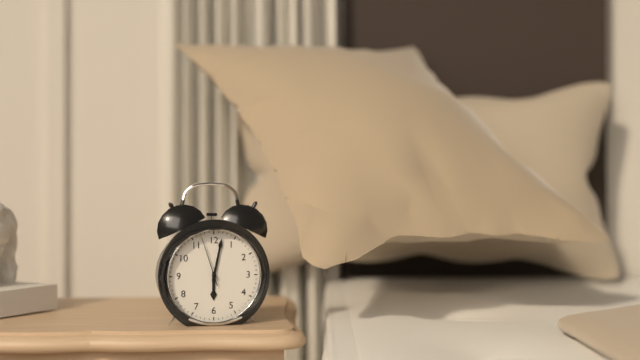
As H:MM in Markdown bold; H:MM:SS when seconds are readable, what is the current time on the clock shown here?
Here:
**6:02:57**
